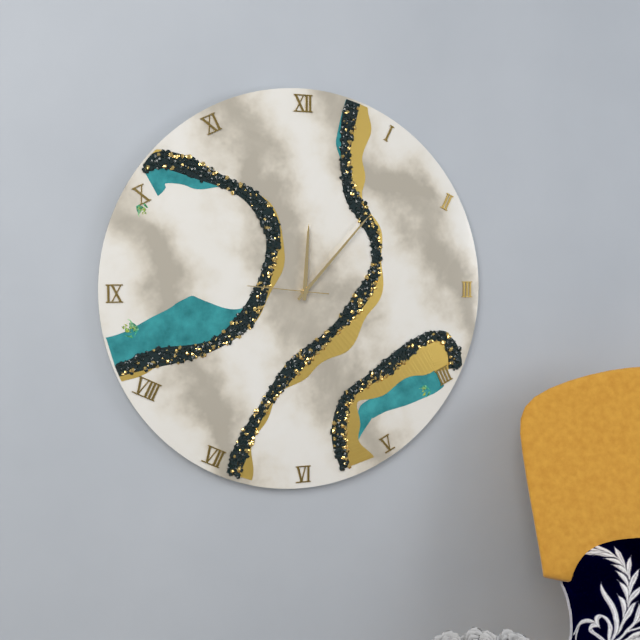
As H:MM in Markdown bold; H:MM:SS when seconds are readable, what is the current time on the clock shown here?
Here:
**12:07:46**
